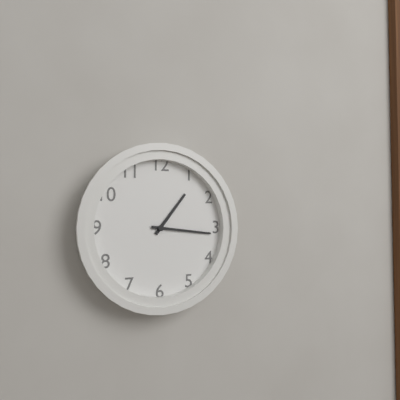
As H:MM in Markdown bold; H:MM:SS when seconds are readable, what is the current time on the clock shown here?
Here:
**1:16**
